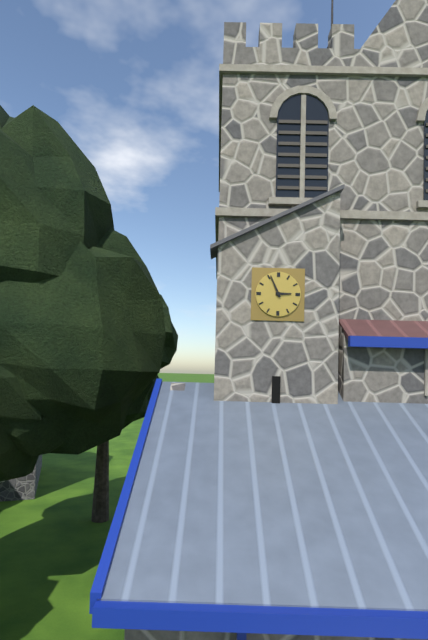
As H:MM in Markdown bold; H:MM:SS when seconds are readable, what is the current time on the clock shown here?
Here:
**2:56**
